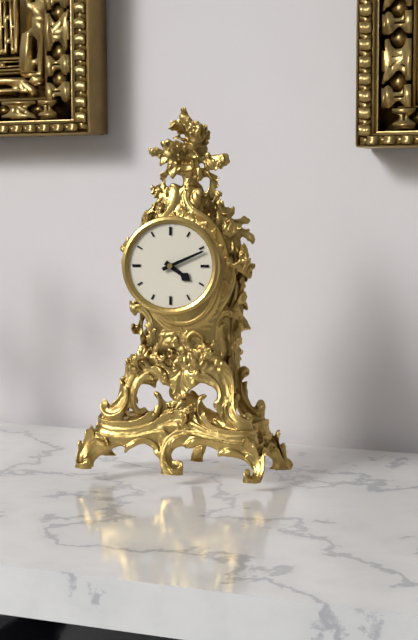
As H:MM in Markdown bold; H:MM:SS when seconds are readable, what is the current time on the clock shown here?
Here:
**4:11**
